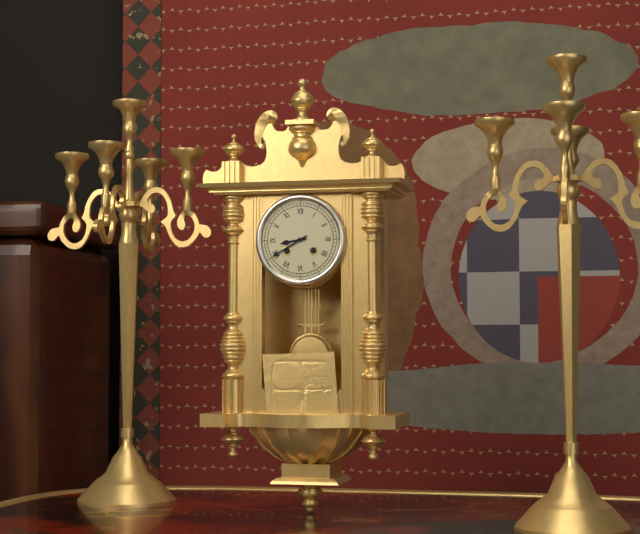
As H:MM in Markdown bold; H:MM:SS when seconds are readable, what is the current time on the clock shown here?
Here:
**8:40**
